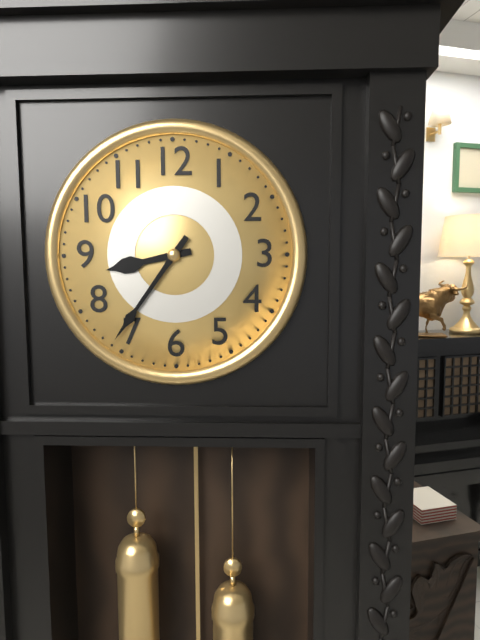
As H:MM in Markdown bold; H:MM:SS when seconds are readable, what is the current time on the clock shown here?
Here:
**8:36**
